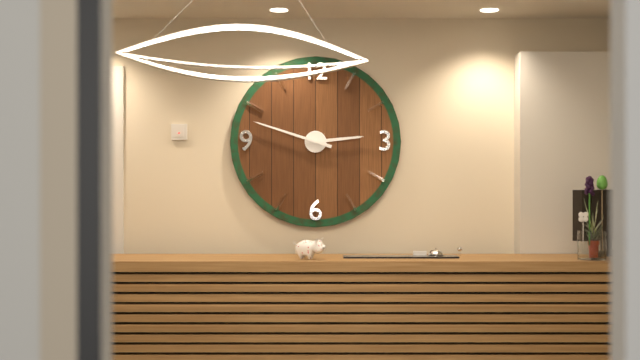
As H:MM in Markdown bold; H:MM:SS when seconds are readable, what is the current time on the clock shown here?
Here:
**2:48**
